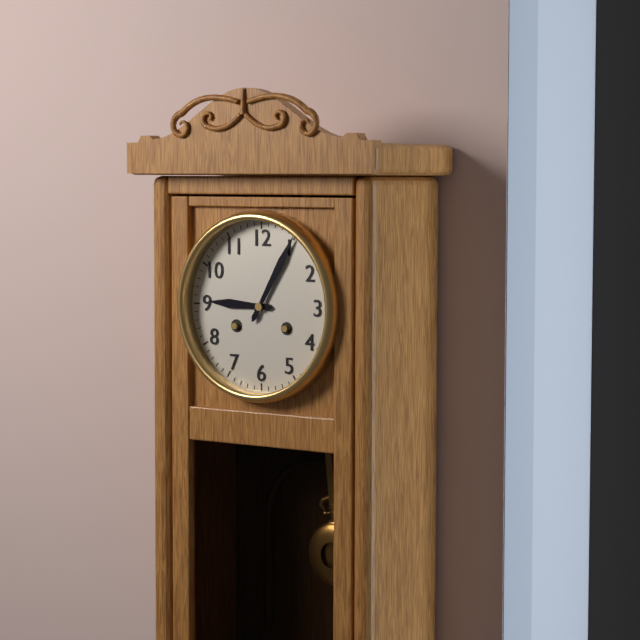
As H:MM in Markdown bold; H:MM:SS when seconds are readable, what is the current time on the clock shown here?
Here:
**9:05**
